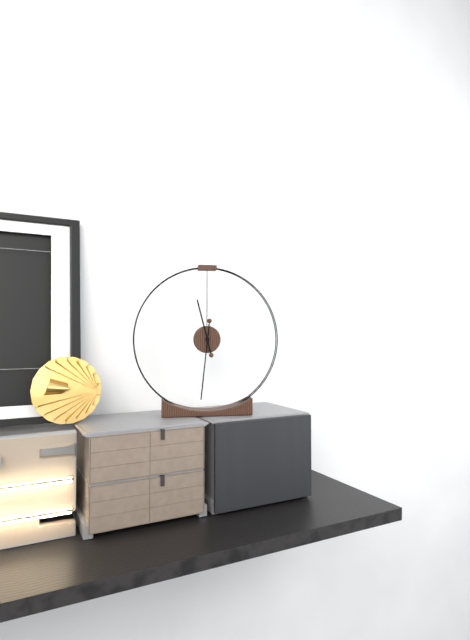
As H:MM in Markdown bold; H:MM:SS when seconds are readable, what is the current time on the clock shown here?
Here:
**11:31**
